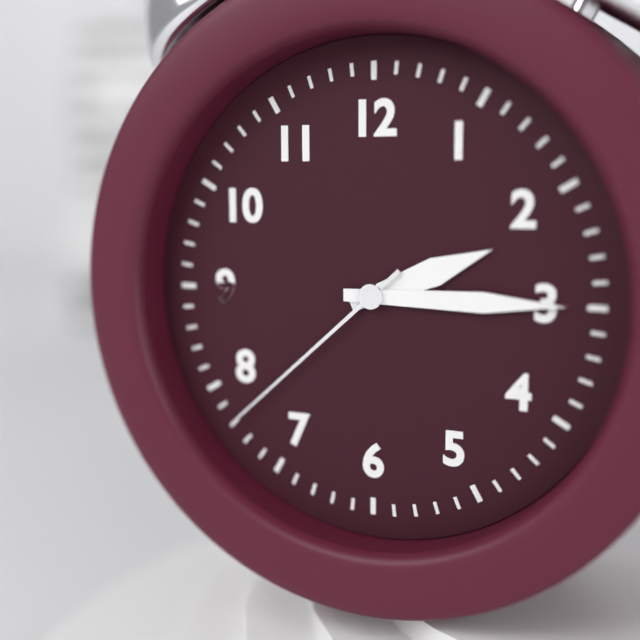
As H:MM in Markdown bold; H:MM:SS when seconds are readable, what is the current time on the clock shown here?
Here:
**2:15:38**
